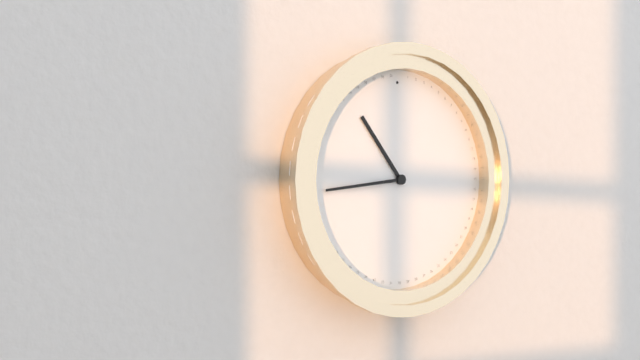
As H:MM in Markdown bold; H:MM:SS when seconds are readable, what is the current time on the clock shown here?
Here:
**10:44**
